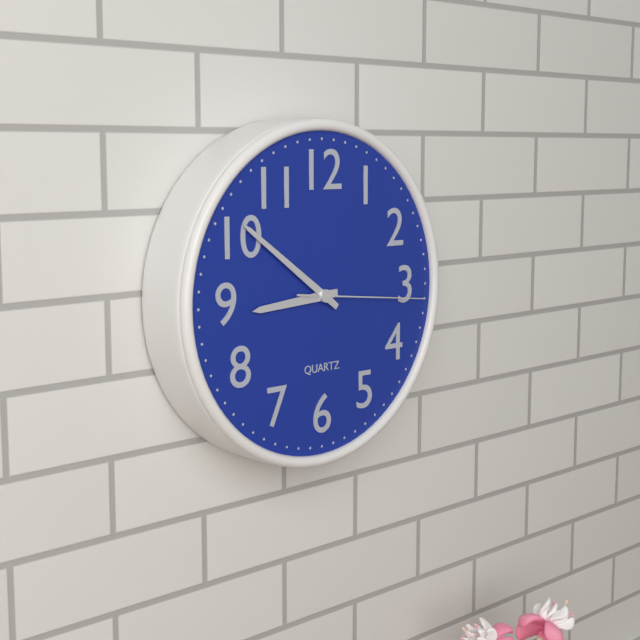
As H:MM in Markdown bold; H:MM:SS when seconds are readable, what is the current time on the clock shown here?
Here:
**8:51:16**
